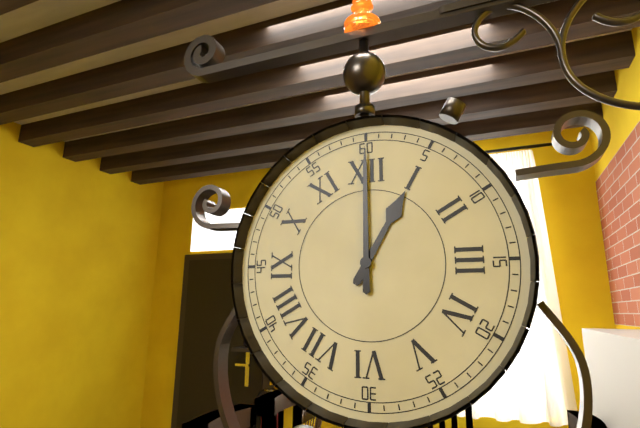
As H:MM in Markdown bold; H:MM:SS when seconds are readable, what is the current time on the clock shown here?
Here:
**1:00**
